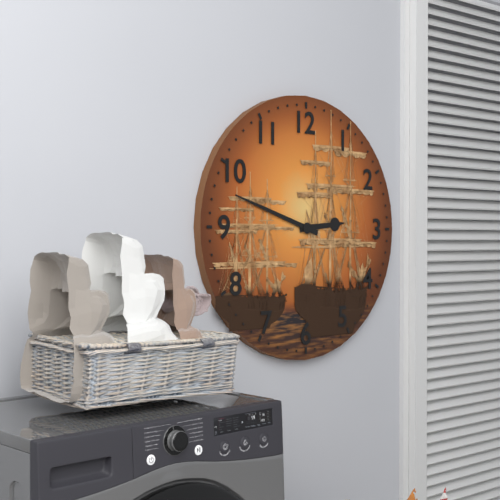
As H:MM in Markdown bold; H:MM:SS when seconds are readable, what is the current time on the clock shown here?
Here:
**2:48**
